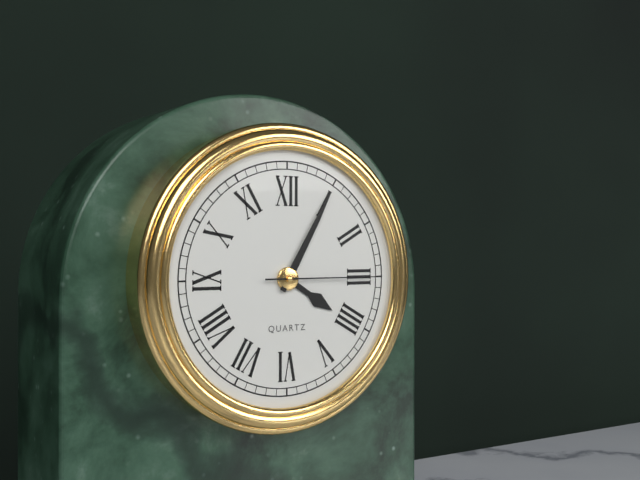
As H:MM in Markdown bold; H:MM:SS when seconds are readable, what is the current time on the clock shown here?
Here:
**4:05:15**
